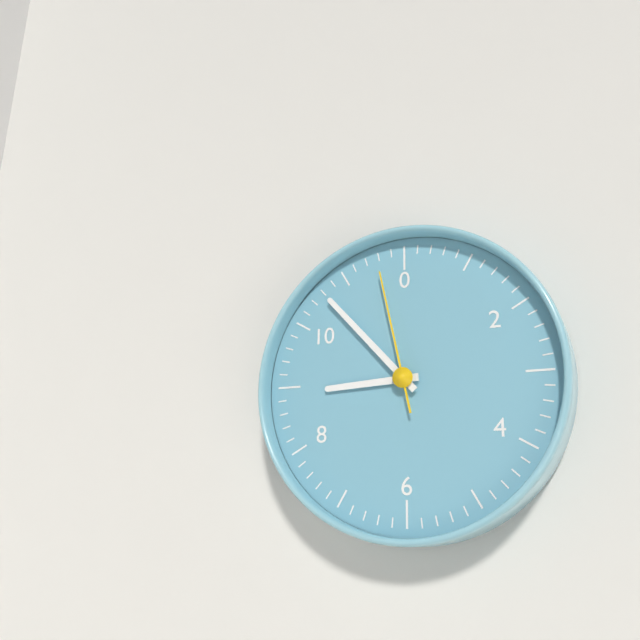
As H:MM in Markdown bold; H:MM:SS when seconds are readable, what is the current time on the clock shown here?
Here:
**8:53:58**
